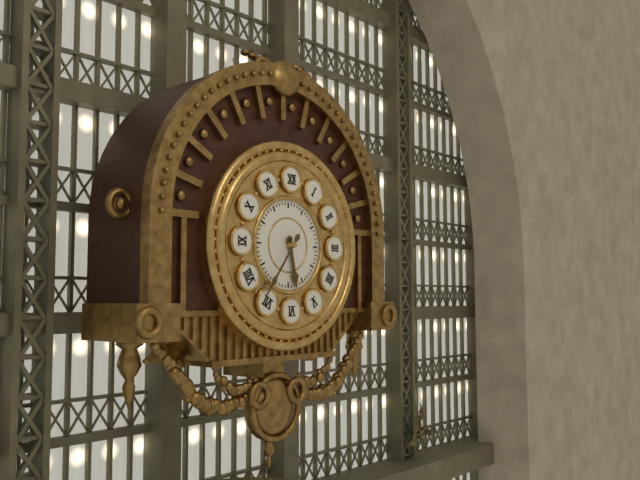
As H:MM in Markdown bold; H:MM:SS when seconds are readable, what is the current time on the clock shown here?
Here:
**5:36**
